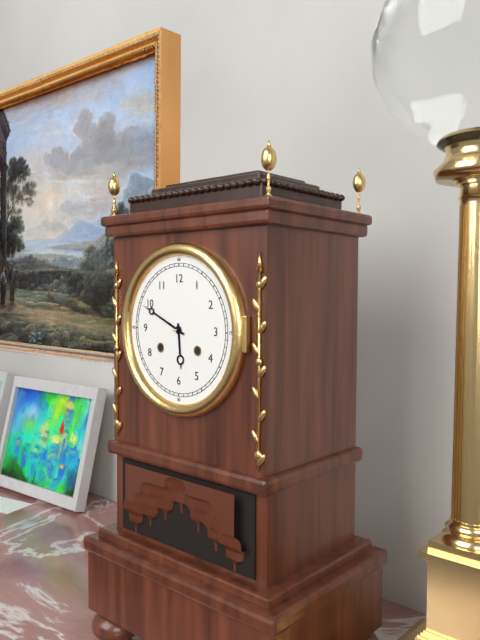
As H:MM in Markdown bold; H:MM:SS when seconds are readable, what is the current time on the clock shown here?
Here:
**5:49**
